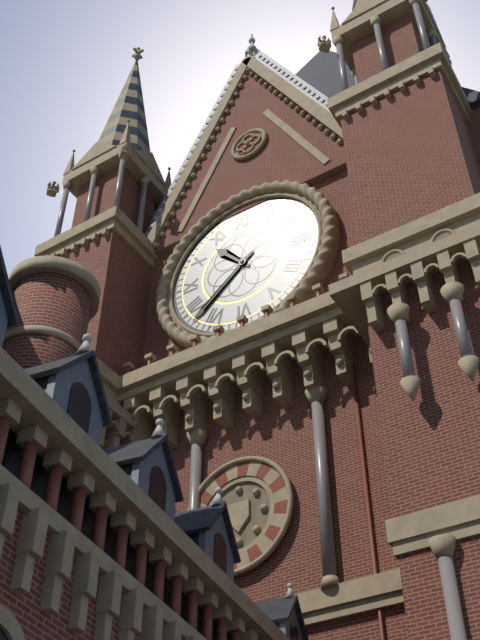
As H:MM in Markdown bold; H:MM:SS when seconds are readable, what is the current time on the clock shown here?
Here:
**10:38**
